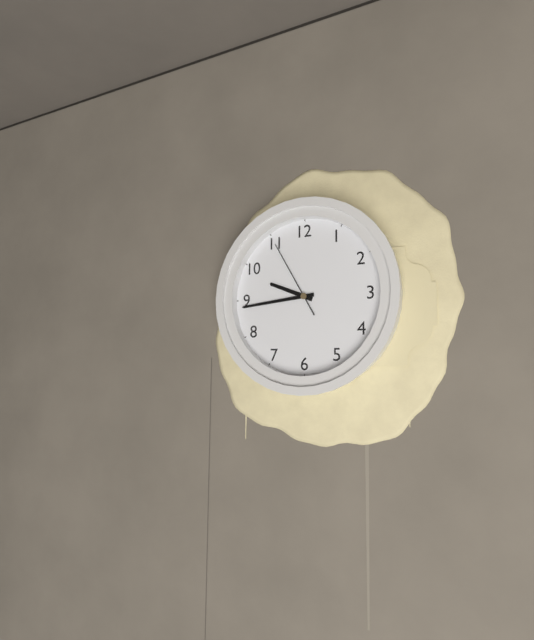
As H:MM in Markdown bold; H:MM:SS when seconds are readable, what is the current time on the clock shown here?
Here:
**9:44:55**
